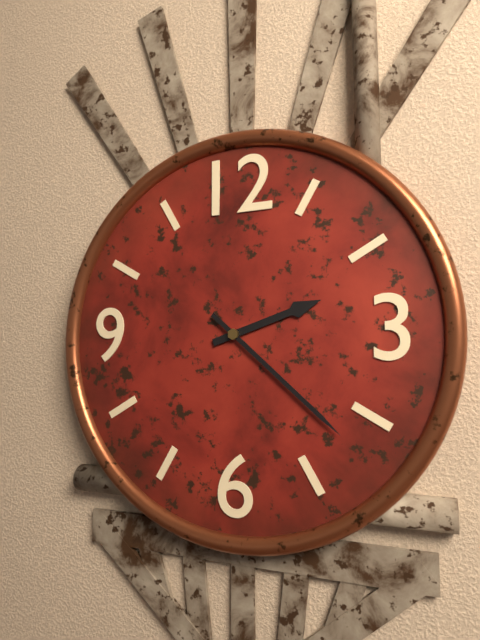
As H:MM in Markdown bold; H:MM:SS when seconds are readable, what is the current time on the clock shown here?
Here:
**2:22**
